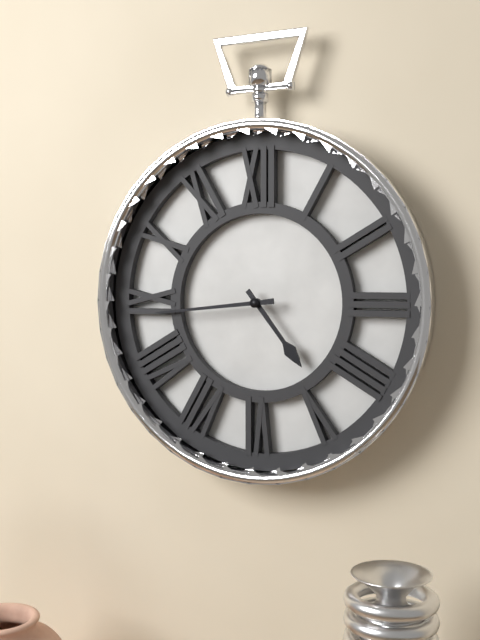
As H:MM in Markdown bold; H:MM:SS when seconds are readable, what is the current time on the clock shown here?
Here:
**4:44**
